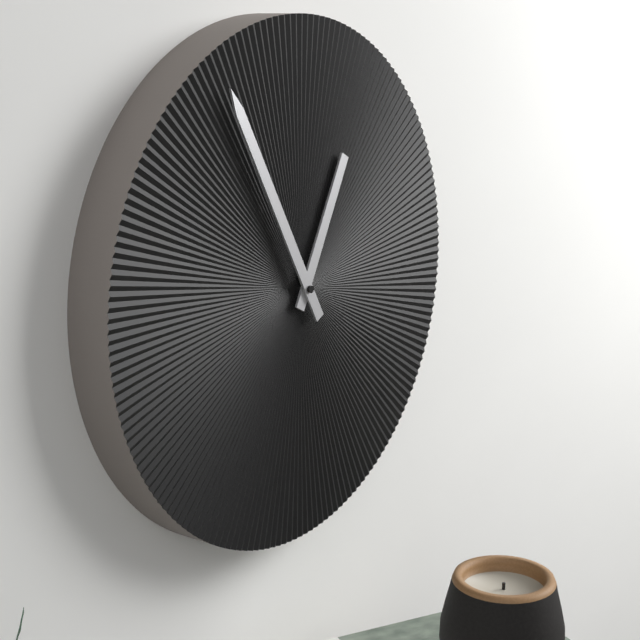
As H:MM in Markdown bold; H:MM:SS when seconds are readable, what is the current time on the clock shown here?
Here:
**12:55**
